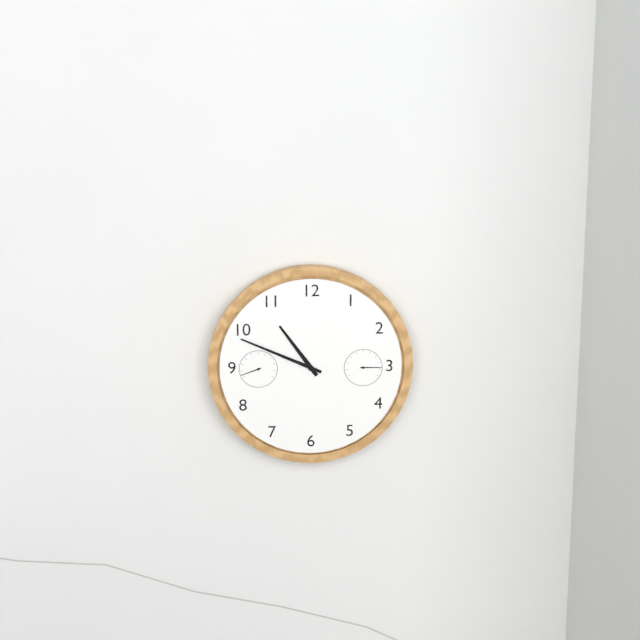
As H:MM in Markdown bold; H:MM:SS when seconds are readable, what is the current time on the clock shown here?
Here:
**10:49**
